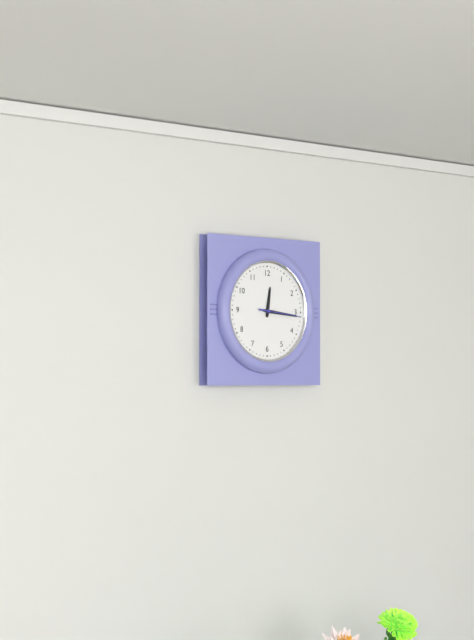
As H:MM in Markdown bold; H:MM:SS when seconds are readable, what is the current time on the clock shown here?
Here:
**12:16:16**
